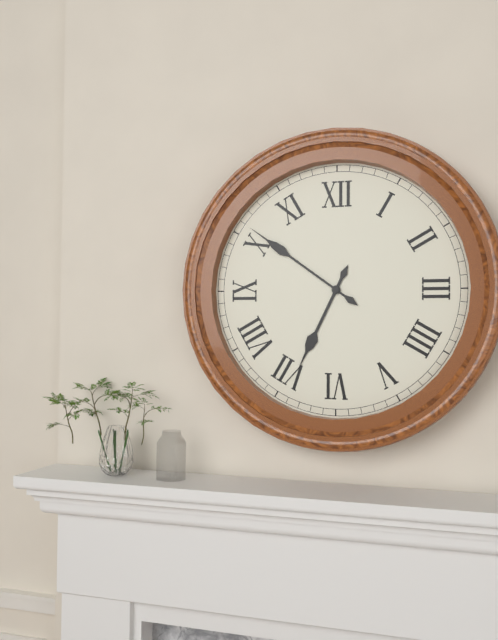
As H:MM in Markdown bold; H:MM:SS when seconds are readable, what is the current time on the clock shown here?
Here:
**6:51**
